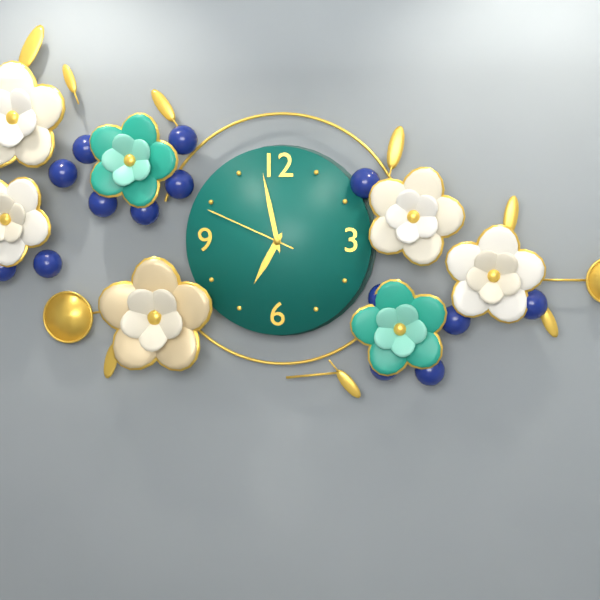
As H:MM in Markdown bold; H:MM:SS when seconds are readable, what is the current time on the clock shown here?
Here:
**6:58:49**
